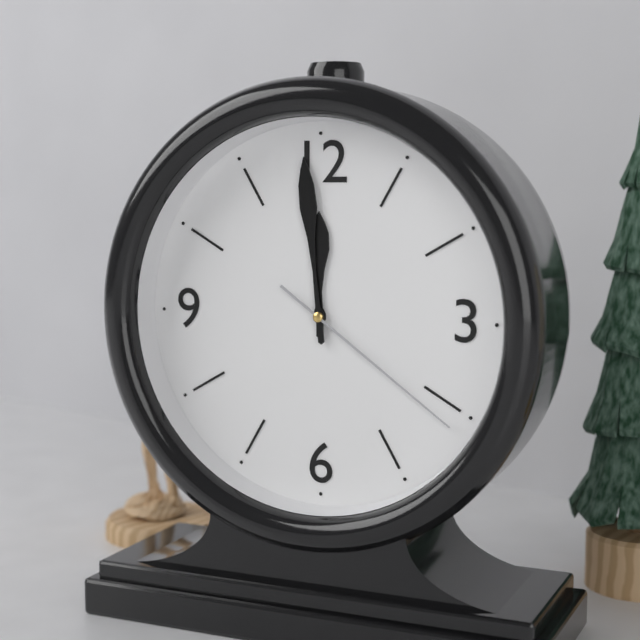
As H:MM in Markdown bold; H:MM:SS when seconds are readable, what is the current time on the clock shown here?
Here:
**11:59:21**
